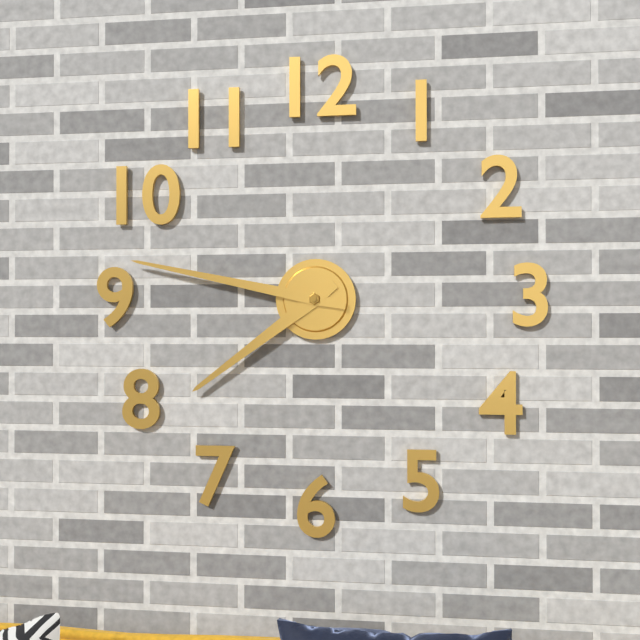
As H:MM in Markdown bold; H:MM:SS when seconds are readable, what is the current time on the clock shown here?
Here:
**7:47**
